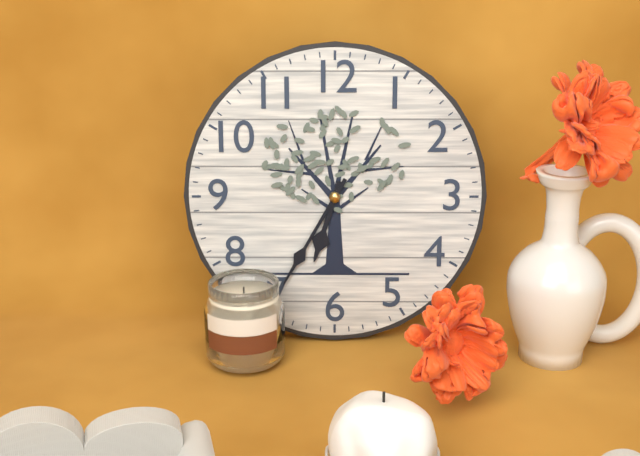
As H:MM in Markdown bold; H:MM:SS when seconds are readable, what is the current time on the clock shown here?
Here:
**6:35**
